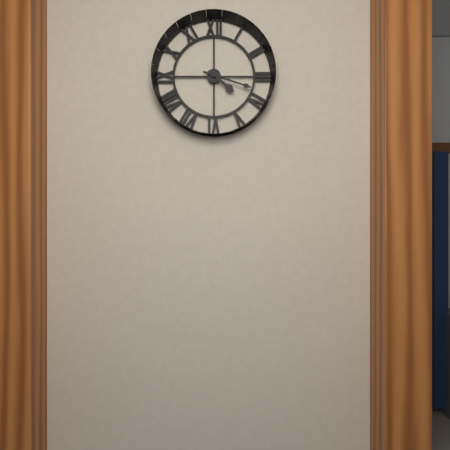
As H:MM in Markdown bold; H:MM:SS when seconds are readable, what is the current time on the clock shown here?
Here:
**4:18**
